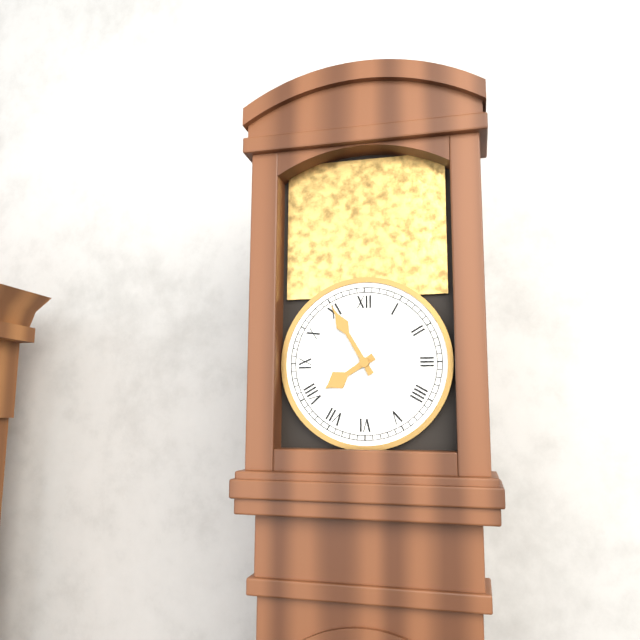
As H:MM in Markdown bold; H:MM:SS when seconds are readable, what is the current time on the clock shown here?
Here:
**7:55**
